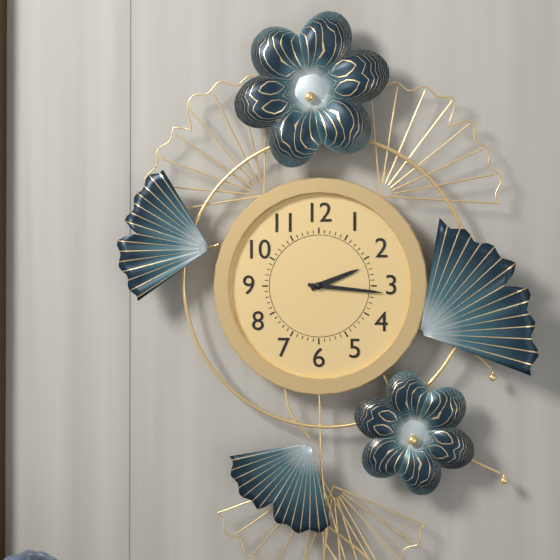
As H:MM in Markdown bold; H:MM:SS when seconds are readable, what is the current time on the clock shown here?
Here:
**2:16**
